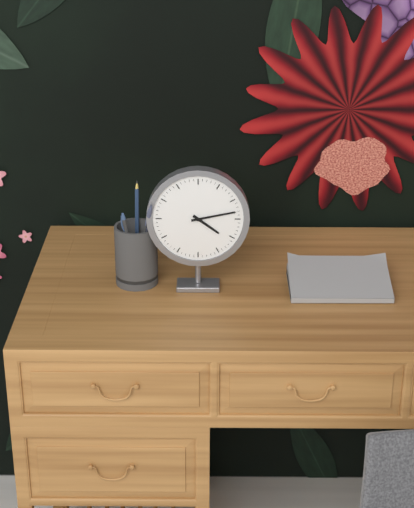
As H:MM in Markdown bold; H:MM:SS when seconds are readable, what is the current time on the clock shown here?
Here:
**4:13**
